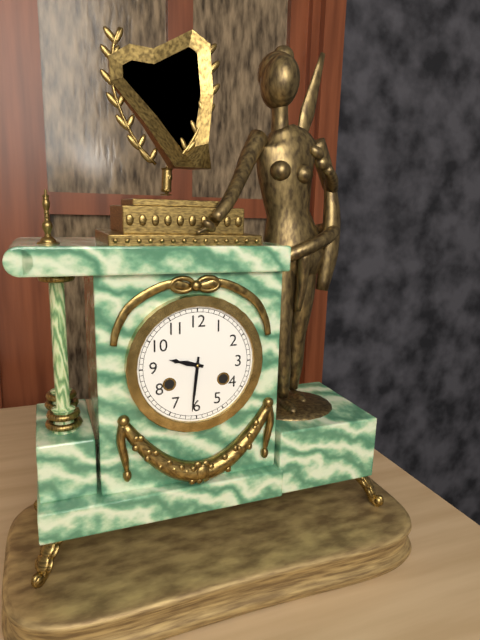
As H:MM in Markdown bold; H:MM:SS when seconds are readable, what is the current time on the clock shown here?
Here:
**9:31**
